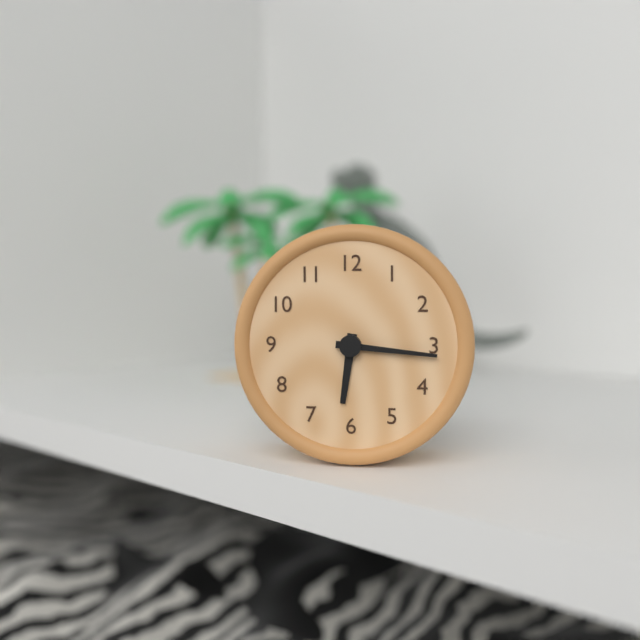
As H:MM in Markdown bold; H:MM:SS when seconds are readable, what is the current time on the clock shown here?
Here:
**6:16**
